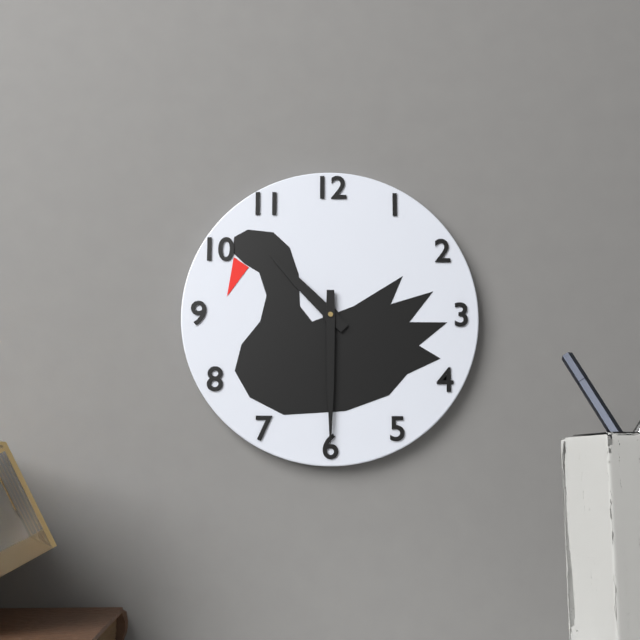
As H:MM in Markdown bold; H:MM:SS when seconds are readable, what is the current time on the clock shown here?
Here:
**10:30**
